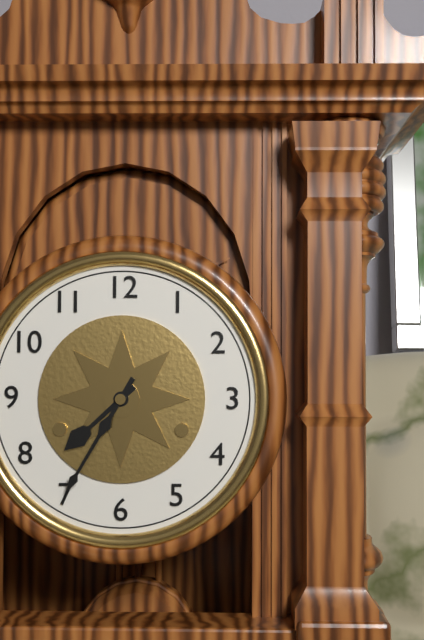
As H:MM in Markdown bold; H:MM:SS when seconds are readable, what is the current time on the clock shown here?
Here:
**7:35**
